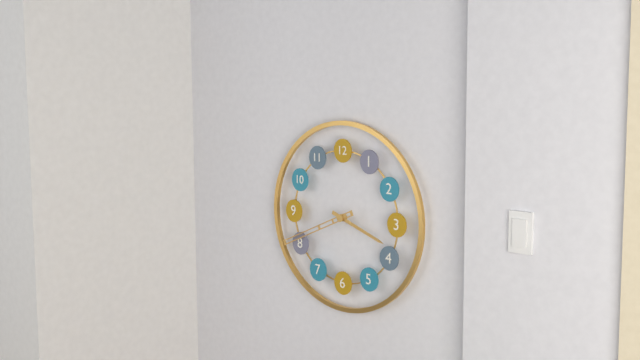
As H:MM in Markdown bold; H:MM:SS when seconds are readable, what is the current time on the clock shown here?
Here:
**3:41**
